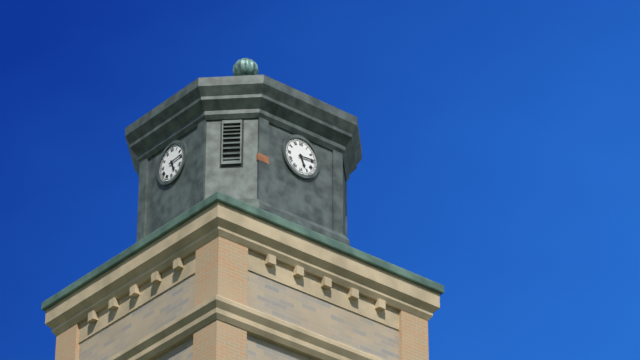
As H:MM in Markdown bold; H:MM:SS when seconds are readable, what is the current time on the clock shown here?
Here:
**5:14**
